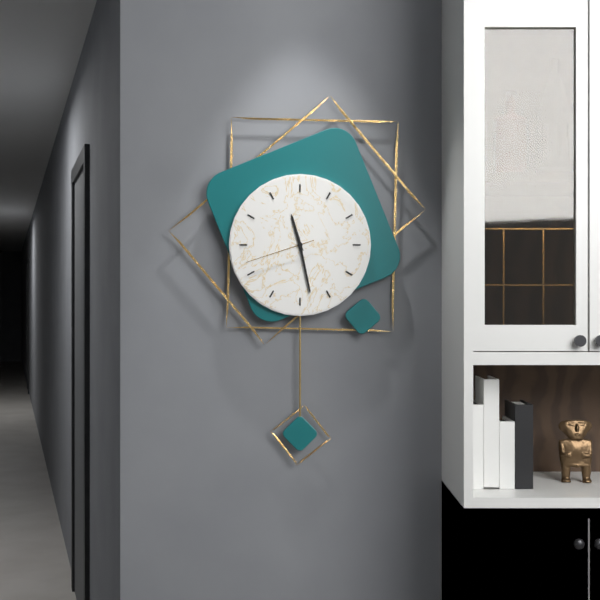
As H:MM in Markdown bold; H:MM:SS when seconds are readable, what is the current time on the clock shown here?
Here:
**11:28:42**
